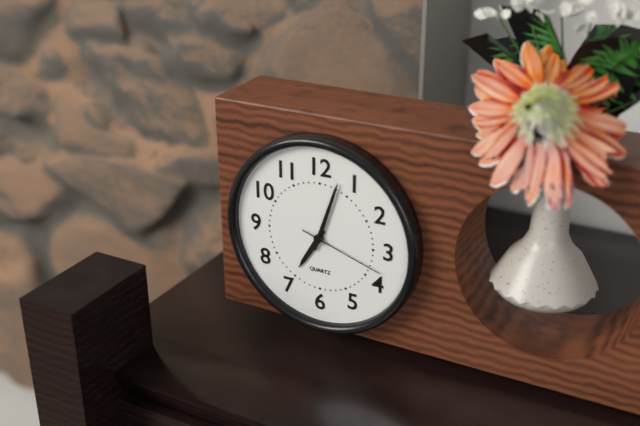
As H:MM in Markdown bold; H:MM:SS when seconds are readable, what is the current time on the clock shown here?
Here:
**7:03:18**
